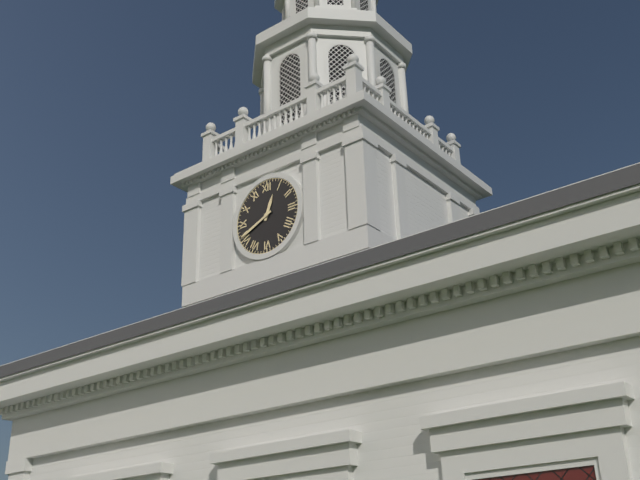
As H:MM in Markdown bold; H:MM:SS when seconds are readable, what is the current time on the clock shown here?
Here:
**12:41**
